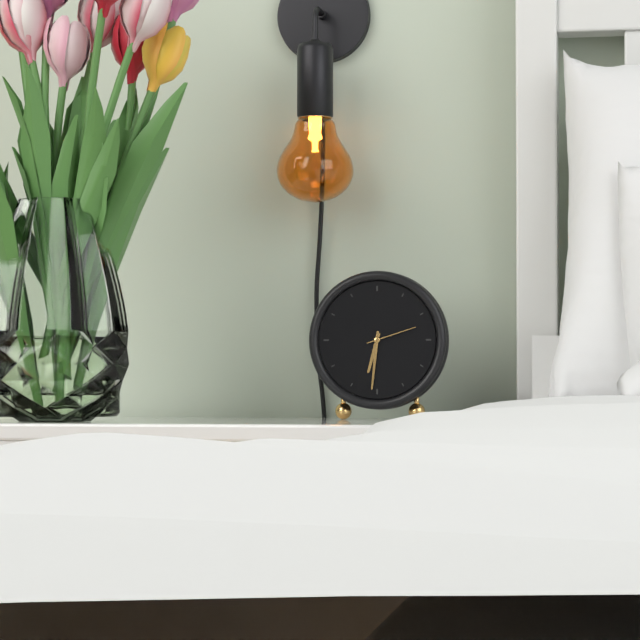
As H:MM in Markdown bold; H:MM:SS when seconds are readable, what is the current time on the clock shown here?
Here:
**6:31:12**
